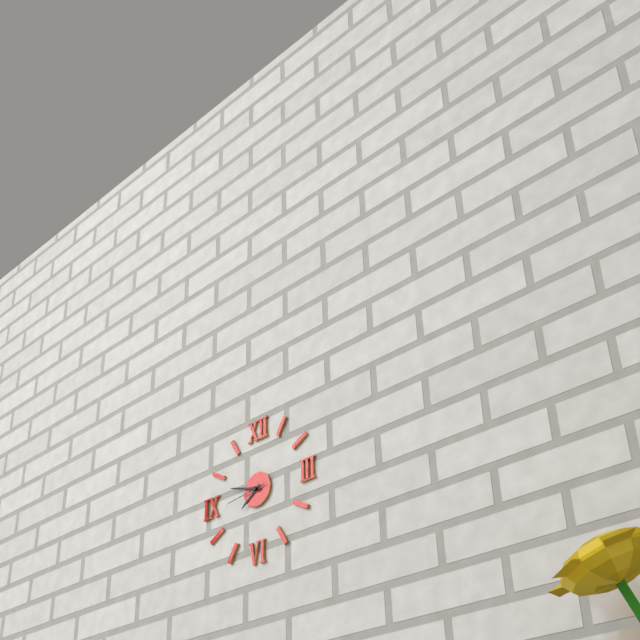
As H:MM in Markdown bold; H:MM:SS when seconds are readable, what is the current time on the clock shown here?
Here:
**7:48**
